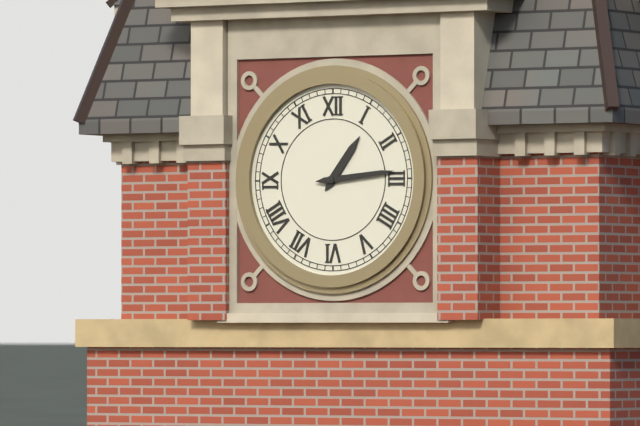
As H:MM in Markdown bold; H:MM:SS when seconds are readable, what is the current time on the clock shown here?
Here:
**1:14**
